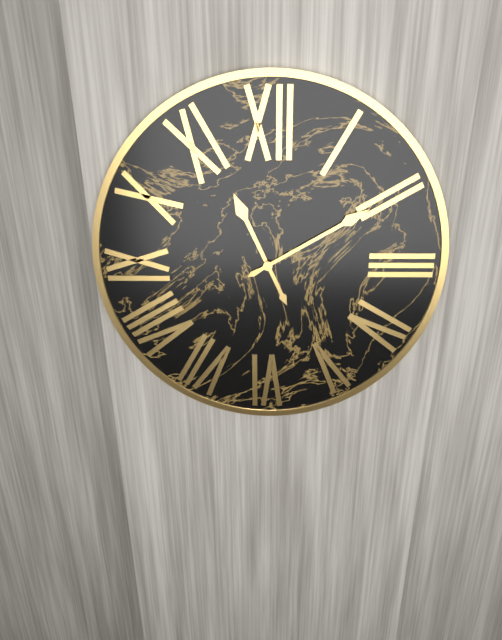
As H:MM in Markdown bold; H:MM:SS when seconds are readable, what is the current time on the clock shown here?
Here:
**11:10**
